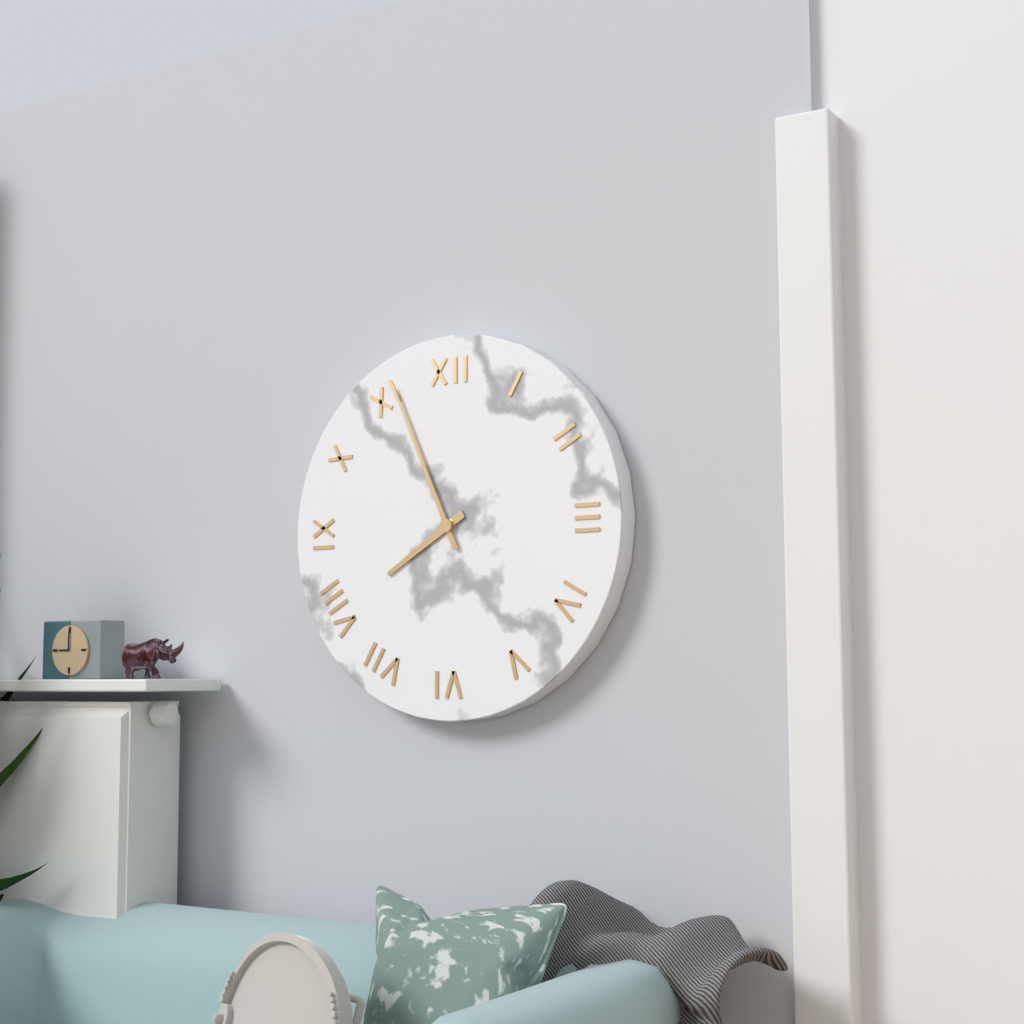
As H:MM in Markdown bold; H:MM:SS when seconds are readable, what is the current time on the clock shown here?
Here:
**7:56**
